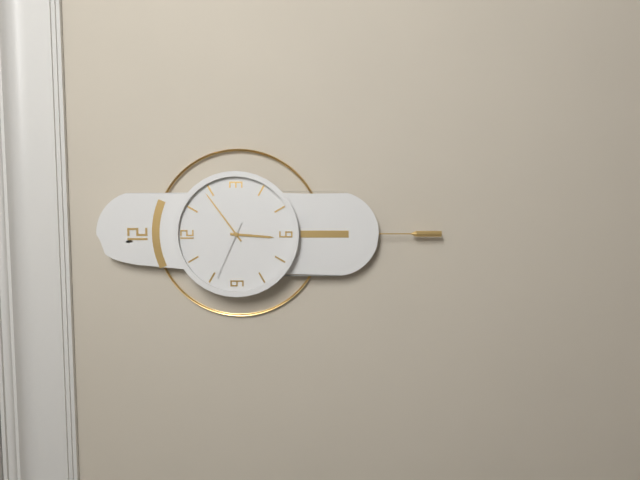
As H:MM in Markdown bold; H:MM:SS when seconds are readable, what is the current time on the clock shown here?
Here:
**6:09:49**
